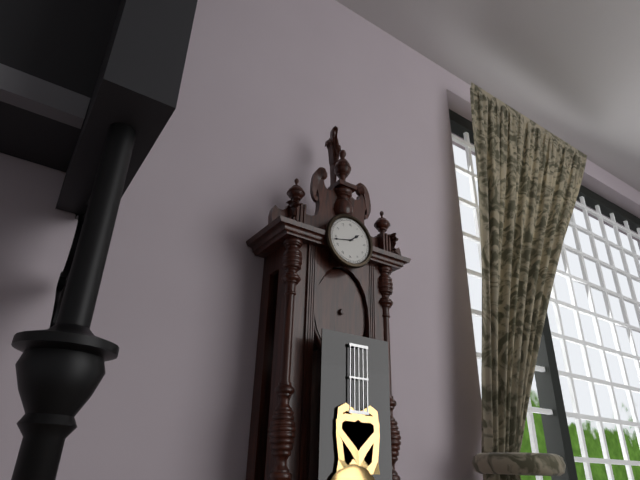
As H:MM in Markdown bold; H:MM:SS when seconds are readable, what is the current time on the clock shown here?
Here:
**1:43**
